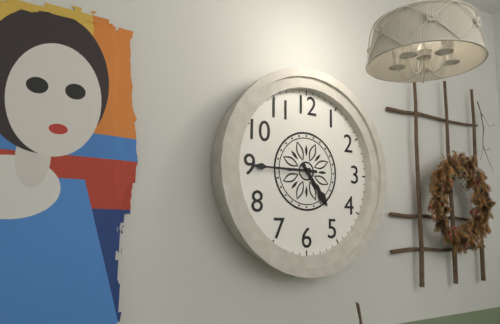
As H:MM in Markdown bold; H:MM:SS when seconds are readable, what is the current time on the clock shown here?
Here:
**4:45**
